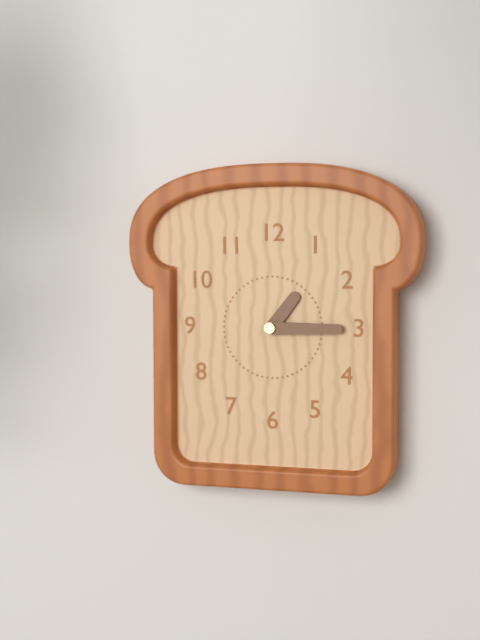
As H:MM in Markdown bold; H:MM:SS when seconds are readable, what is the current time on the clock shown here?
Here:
**1:15**
